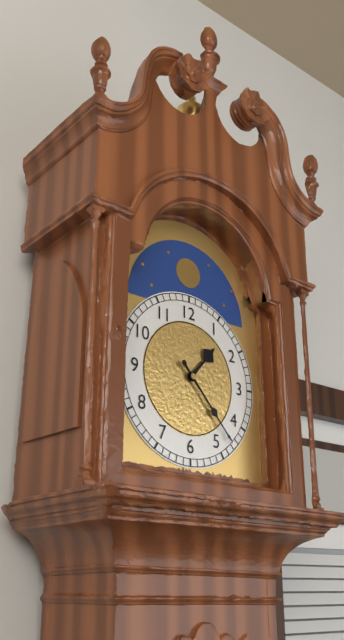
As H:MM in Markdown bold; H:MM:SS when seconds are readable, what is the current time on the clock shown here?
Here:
**1:23**
